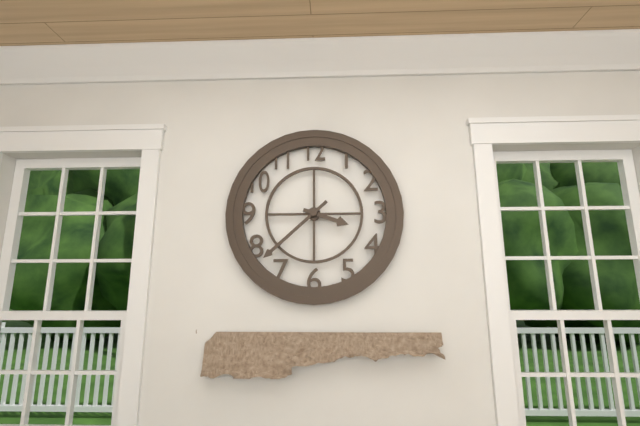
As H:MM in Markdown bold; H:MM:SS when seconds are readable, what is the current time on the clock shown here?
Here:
**3:38**
